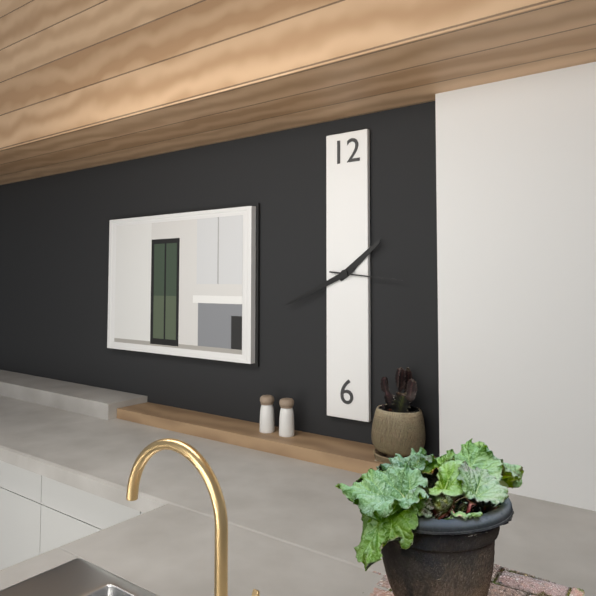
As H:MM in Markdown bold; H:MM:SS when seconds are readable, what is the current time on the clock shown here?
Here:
**1:41:16**
